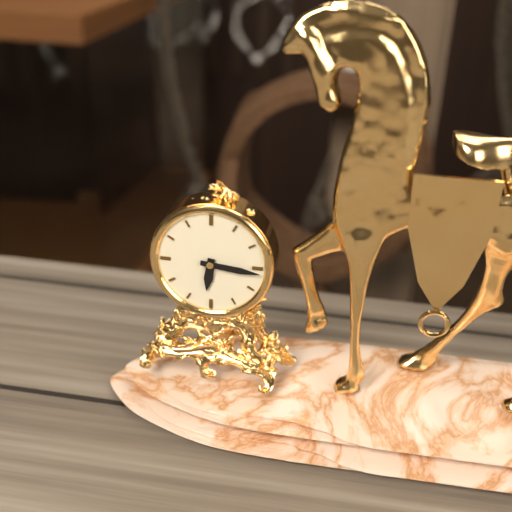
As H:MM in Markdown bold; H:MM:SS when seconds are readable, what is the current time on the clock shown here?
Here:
**6:16**
